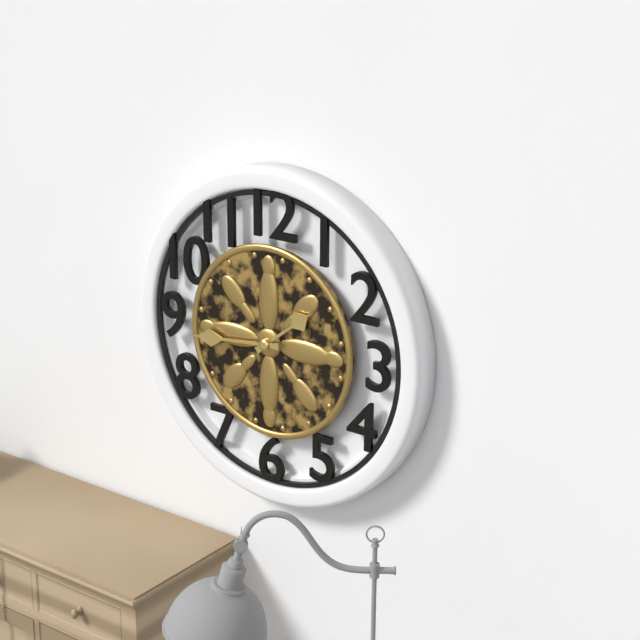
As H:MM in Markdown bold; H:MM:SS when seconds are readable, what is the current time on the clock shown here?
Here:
**1:44**
